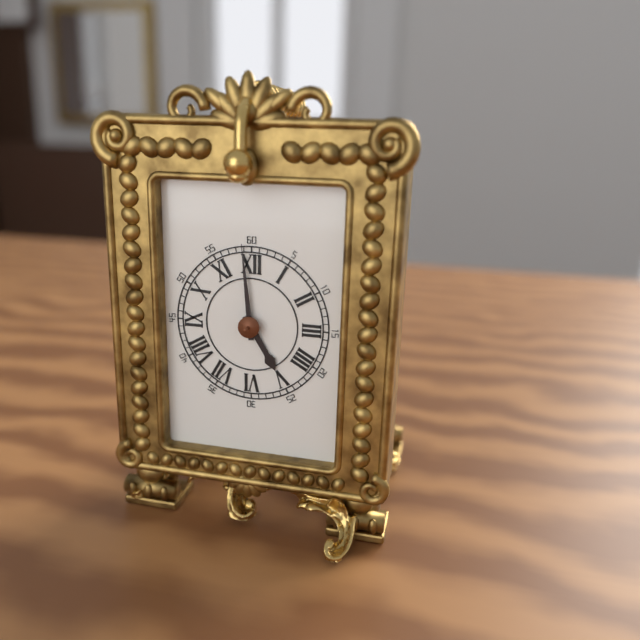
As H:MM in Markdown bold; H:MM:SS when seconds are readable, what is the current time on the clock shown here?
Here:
**4:59**
